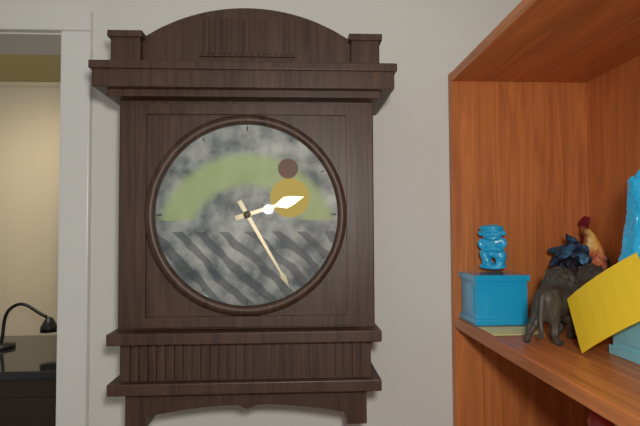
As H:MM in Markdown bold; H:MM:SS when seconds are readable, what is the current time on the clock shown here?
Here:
**2:25**
